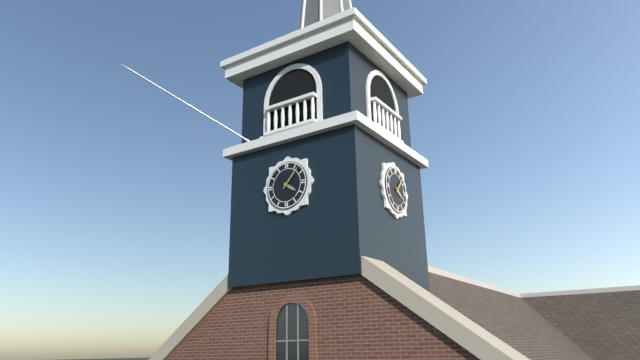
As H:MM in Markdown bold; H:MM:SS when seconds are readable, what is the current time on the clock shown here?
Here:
**4:07**
